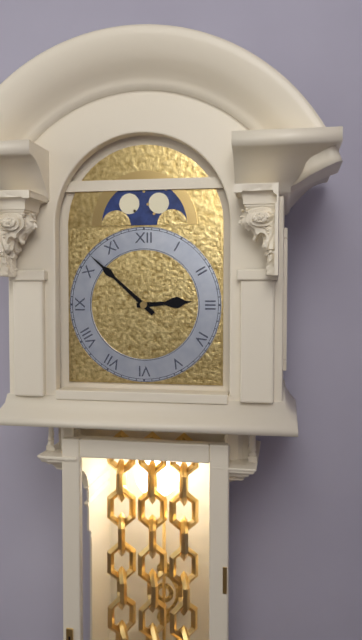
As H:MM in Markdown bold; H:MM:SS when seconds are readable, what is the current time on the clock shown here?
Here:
**2:52**
